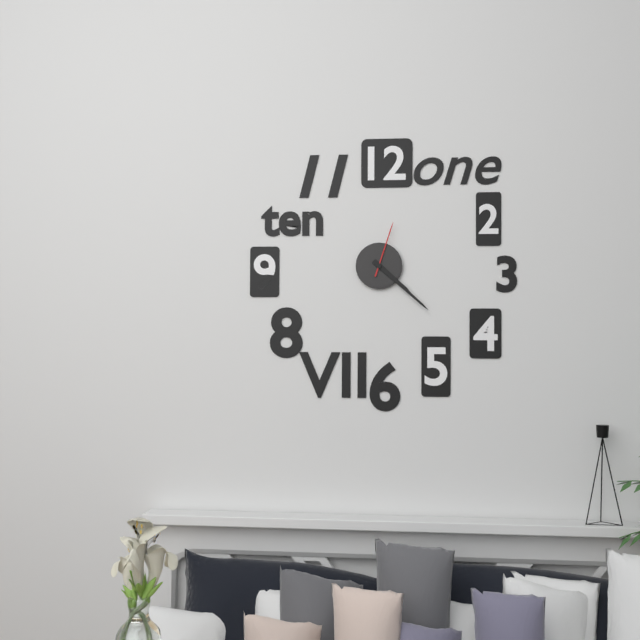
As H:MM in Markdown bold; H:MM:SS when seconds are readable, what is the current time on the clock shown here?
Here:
**4:22:03**
